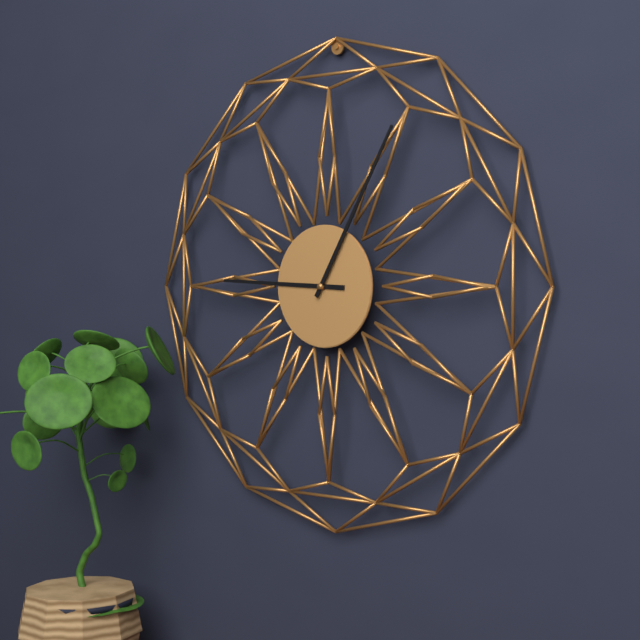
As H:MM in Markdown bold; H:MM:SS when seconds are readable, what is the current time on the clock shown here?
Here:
**9:05**
